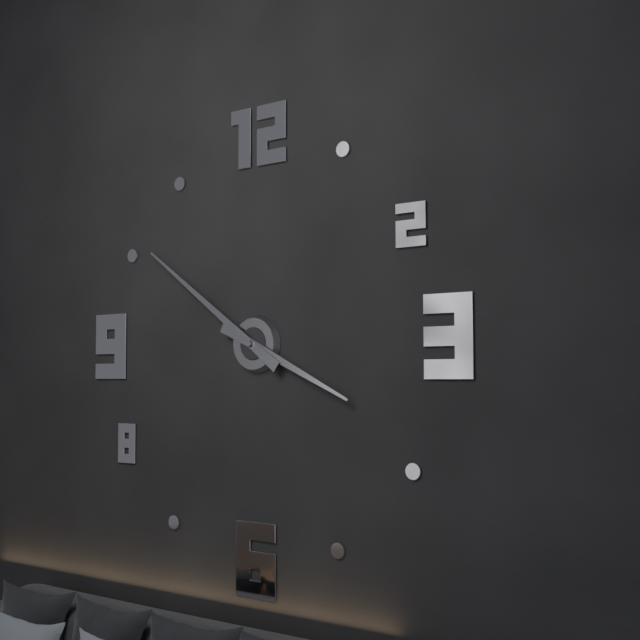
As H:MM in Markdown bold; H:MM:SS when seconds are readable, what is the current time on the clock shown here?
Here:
**3:51**
